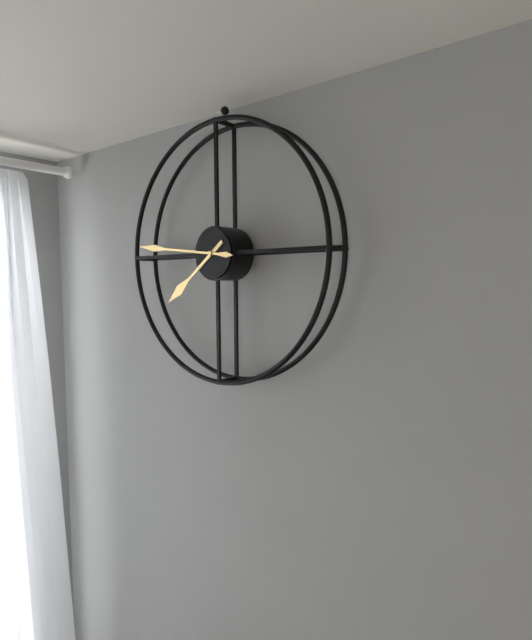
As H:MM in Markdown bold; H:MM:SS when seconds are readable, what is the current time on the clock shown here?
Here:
**7:46**
